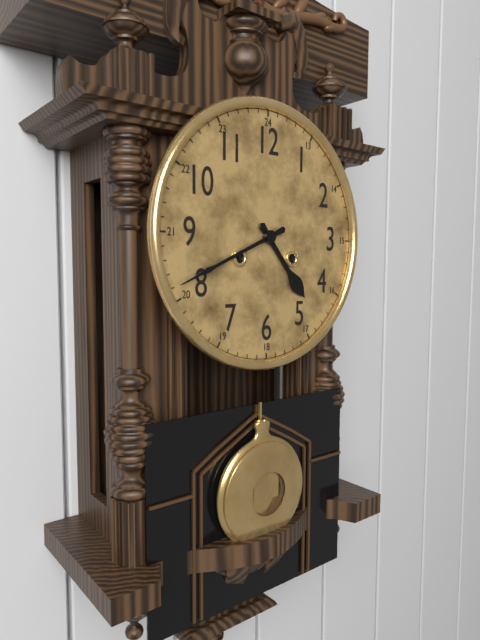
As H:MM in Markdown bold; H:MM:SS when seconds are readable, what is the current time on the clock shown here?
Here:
**4:41**
